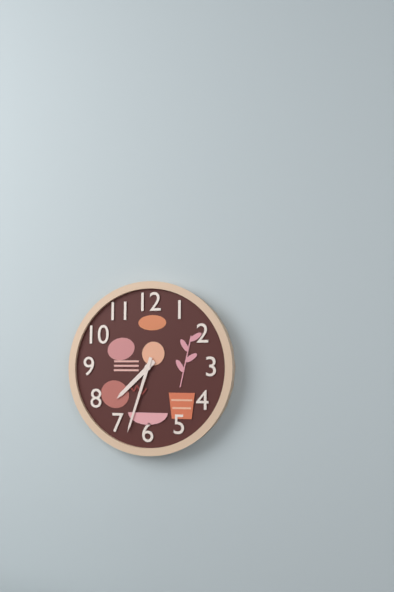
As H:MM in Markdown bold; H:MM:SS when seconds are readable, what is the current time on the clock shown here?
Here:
**7:33**
